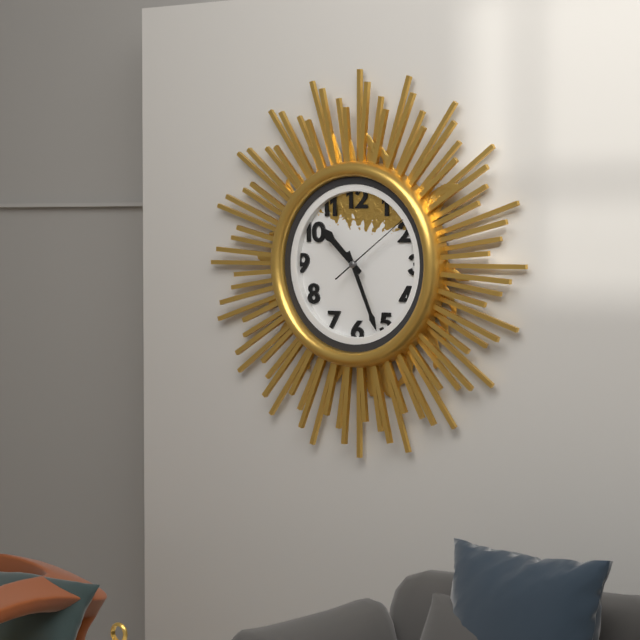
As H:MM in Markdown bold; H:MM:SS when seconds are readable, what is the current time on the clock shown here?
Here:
**10:26:09**
